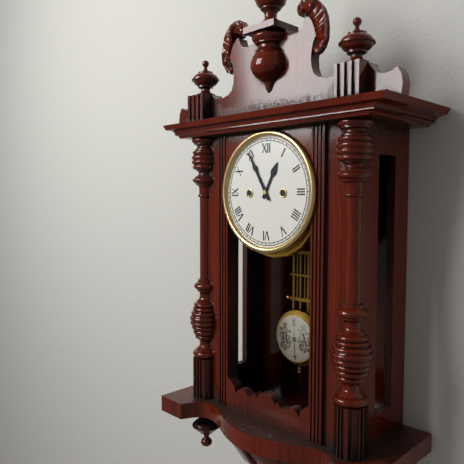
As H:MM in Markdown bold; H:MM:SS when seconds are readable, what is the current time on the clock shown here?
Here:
**12:55**
